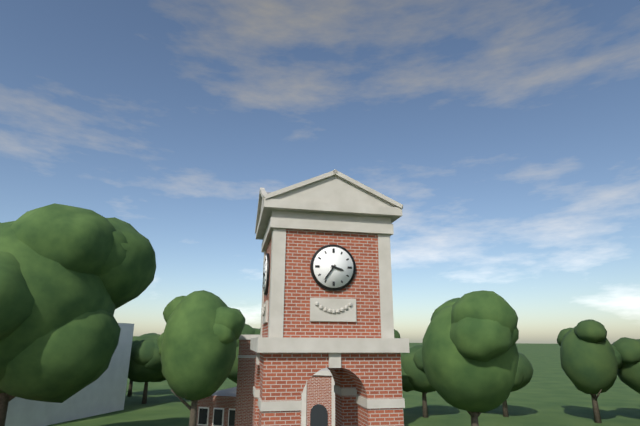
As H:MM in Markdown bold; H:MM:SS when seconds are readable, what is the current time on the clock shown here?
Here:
**3:36**
